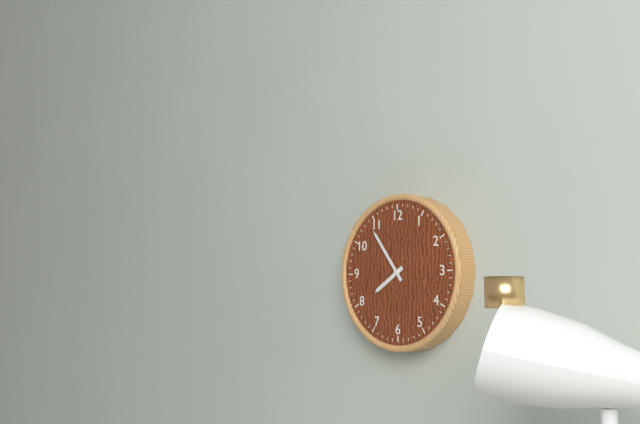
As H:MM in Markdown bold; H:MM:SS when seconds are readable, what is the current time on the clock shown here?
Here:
**7:54**
